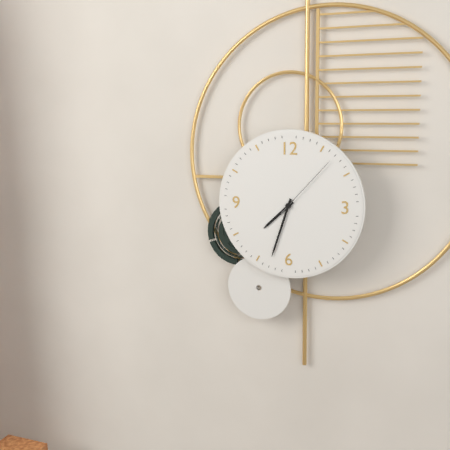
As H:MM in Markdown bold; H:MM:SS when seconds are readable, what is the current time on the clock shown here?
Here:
**7:33:07**
